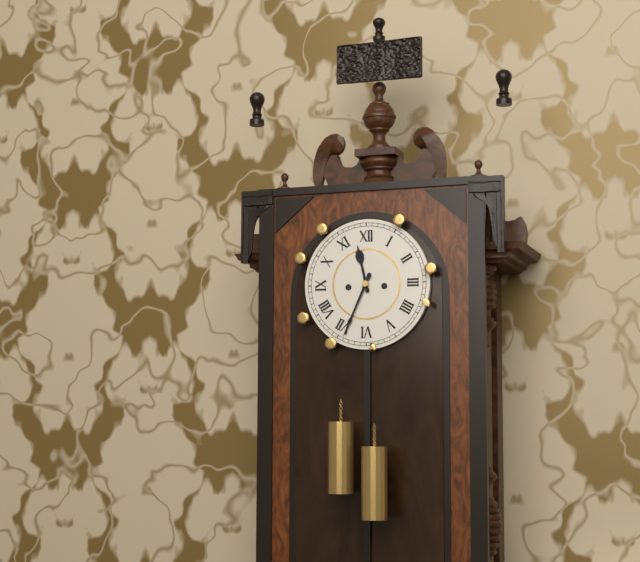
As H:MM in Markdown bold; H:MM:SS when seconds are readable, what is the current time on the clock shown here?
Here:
**11:34**
